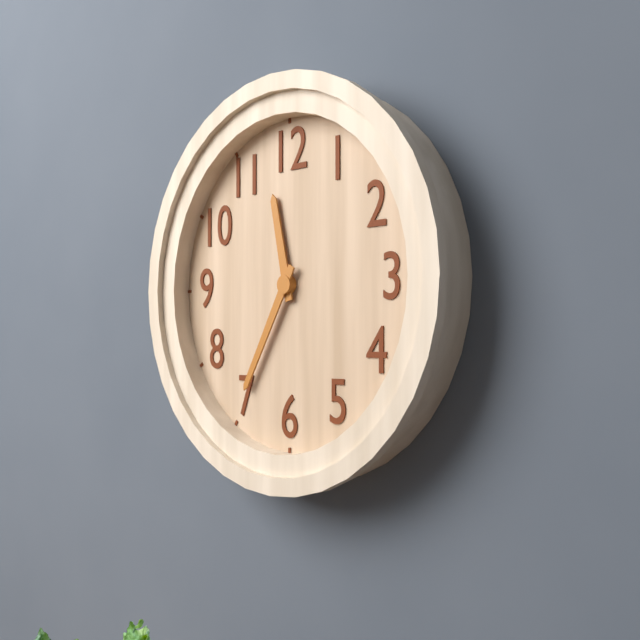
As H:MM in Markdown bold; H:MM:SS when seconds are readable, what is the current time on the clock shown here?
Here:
**11:35**
